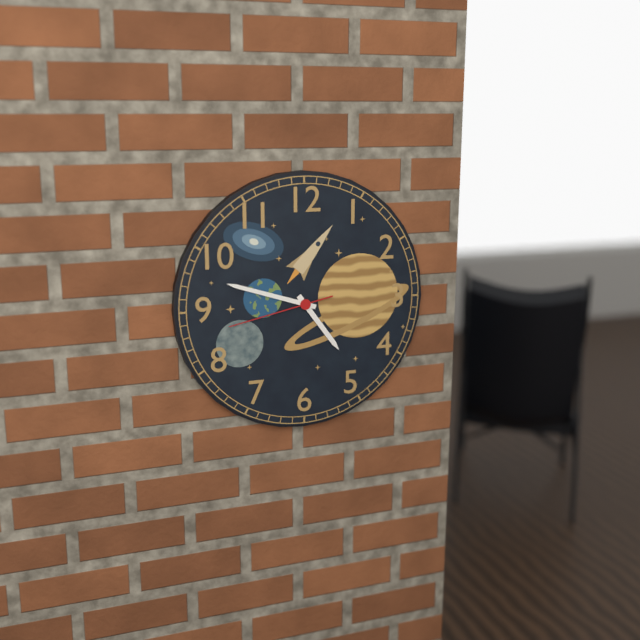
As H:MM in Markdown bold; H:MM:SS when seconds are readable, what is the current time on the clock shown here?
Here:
**4:48:43**
